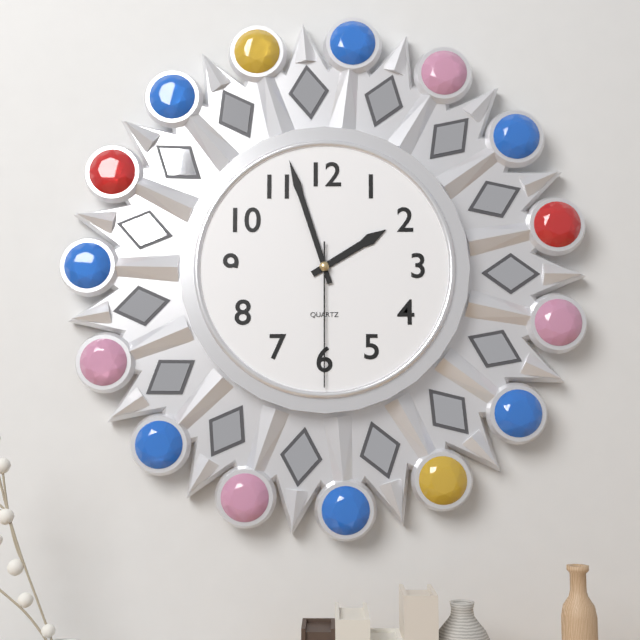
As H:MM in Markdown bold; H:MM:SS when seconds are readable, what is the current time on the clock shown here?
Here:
**1:57:30**
